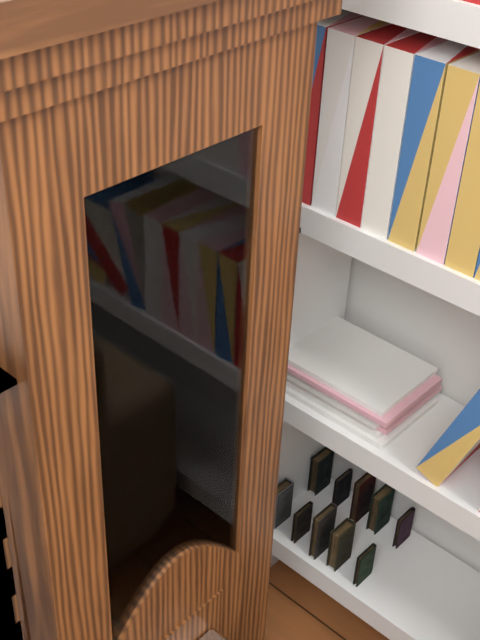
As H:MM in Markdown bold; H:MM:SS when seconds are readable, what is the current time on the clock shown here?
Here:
**8:20**
